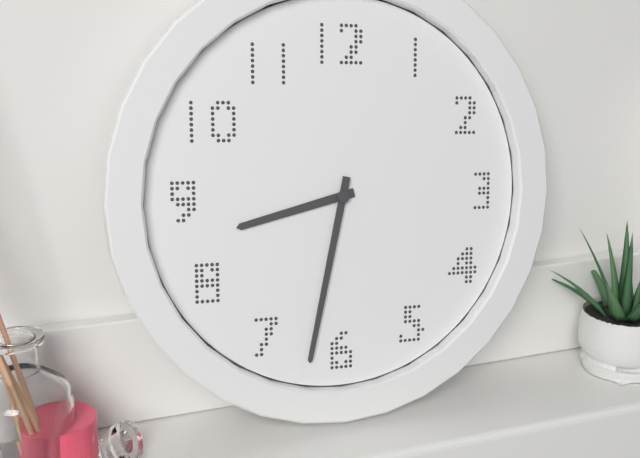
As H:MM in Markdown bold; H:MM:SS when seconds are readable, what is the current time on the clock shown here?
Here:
**8:32**
